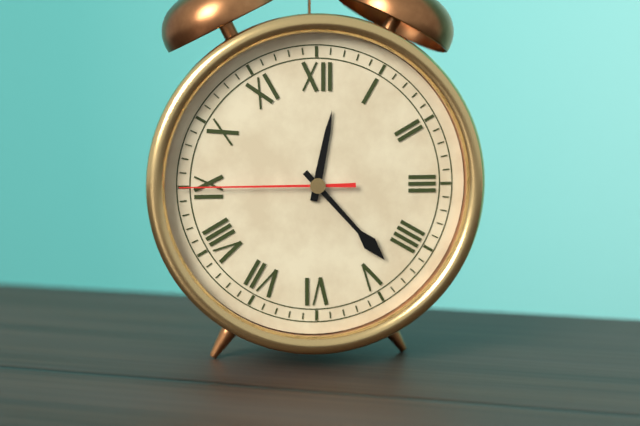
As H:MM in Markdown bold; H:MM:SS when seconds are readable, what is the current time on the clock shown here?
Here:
**12:23:45**
